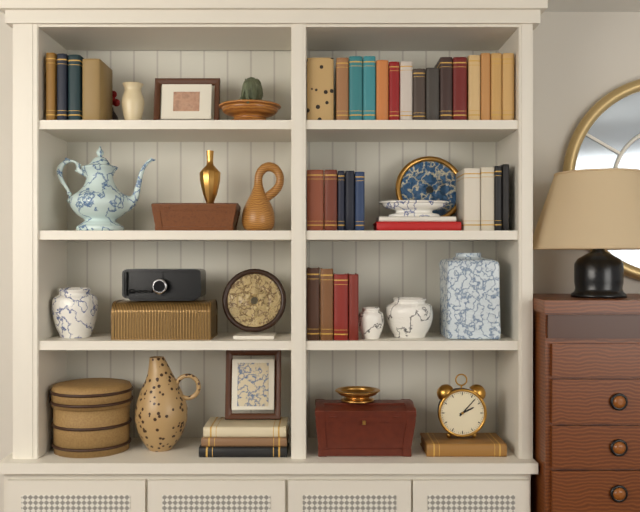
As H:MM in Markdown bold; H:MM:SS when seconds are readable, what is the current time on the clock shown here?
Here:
**2:07**
